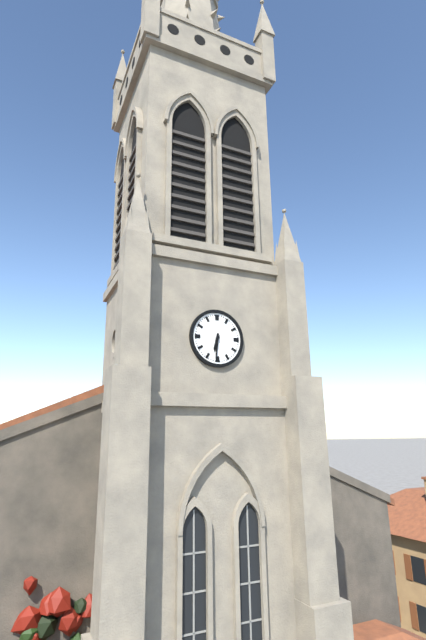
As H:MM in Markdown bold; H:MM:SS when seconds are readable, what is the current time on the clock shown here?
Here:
**6:31**
